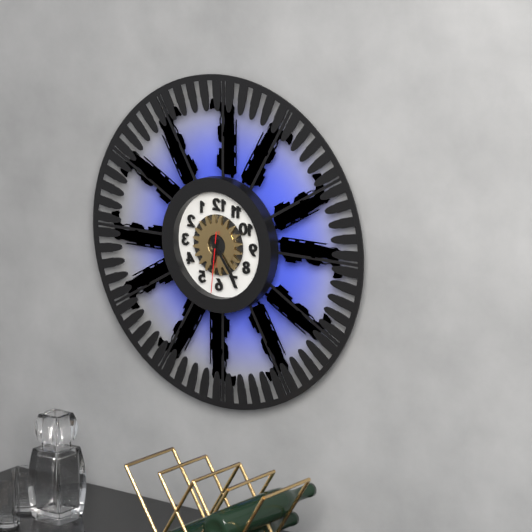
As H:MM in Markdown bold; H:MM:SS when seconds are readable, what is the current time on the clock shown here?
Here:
**6:24:31**
